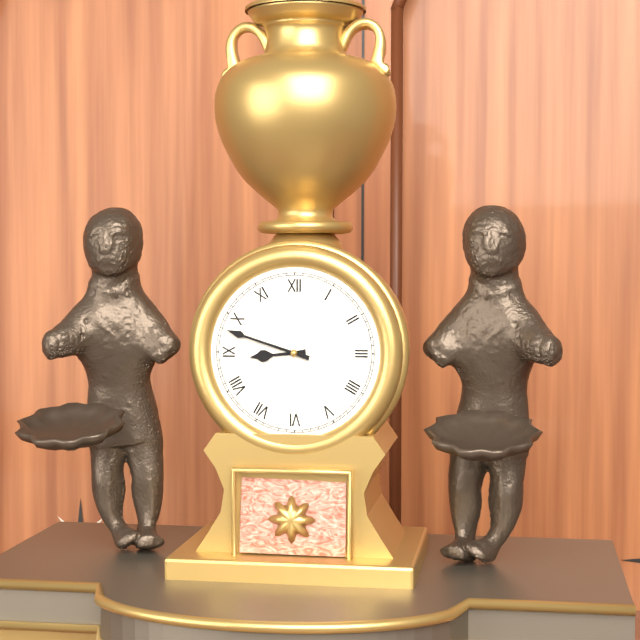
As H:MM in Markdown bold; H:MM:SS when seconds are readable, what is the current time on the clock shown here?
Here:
**8:48**
